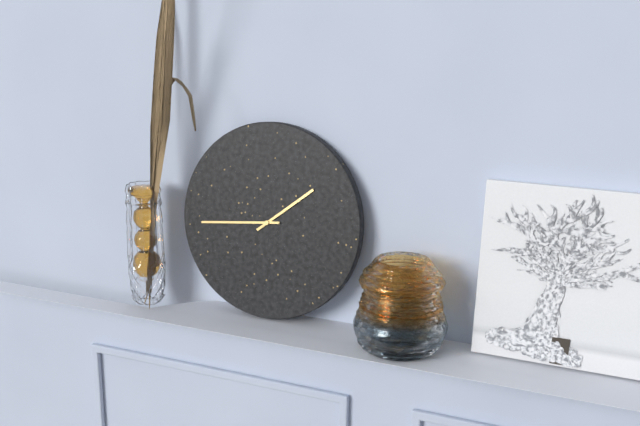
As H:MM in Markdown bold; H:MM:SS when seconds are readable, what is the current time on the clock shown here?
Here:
**1:44**
